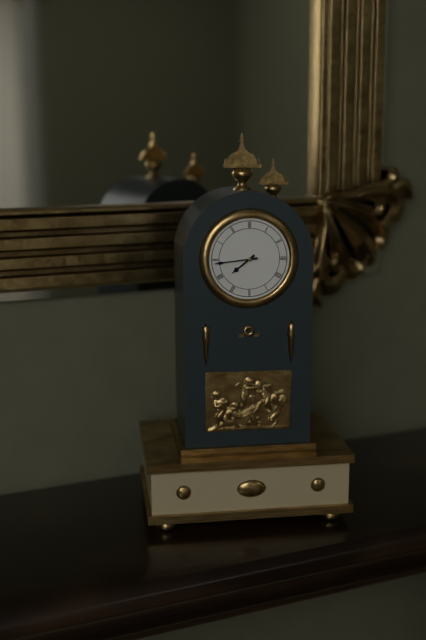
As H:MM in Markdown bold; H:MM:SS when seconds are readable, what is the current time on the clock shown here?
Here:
**7:44**
